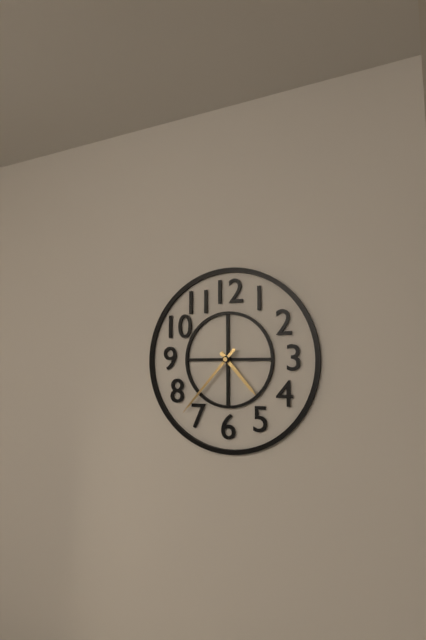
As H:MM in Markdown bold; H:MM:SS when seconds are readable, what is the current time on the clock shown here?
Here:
**4:37**
